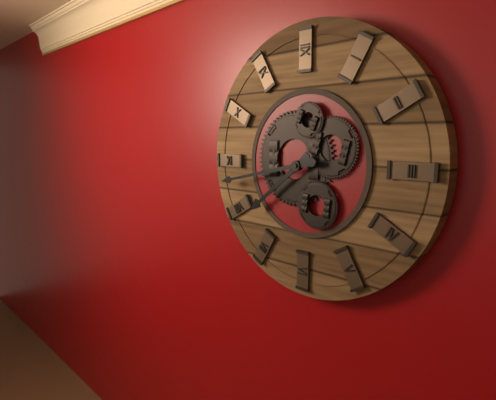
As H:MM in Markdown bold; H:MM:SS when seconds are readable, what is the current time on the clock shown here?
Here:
**7:43**
